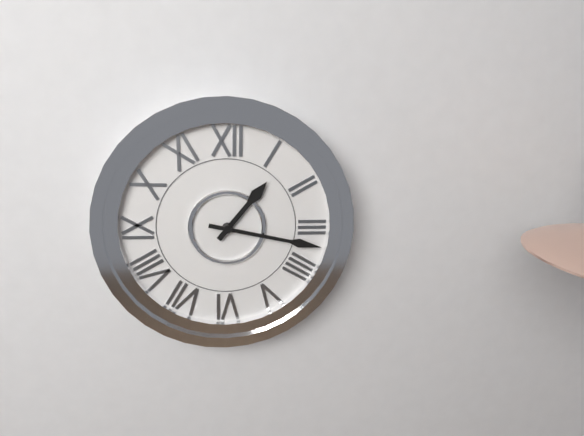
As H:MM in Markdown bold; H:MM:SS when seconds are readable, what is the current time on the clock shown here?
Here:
**1:17**
